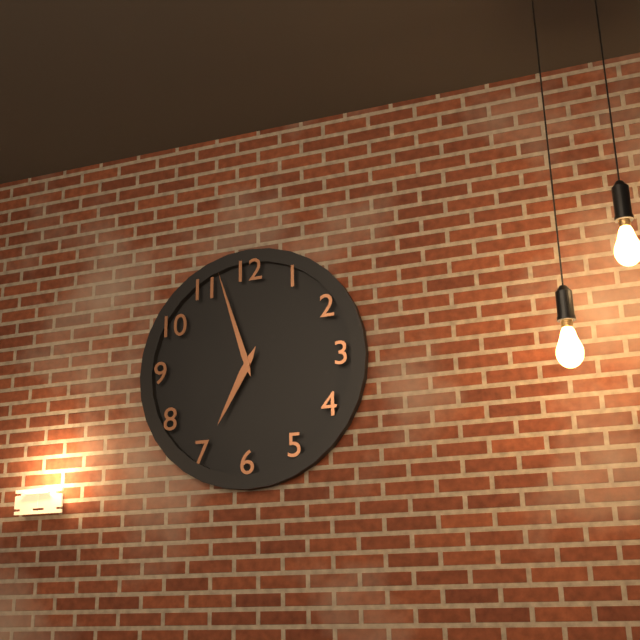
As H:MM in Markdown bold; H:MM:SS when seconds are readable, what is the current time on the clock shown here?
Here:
**6:57**
